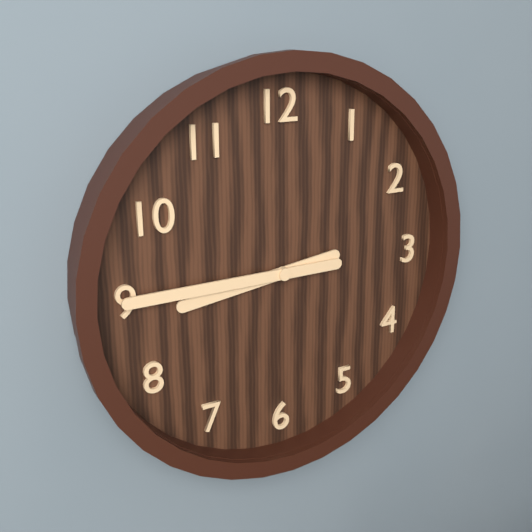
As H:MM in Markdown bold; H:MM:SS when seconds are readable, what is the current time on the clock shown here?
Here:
**8:45**
